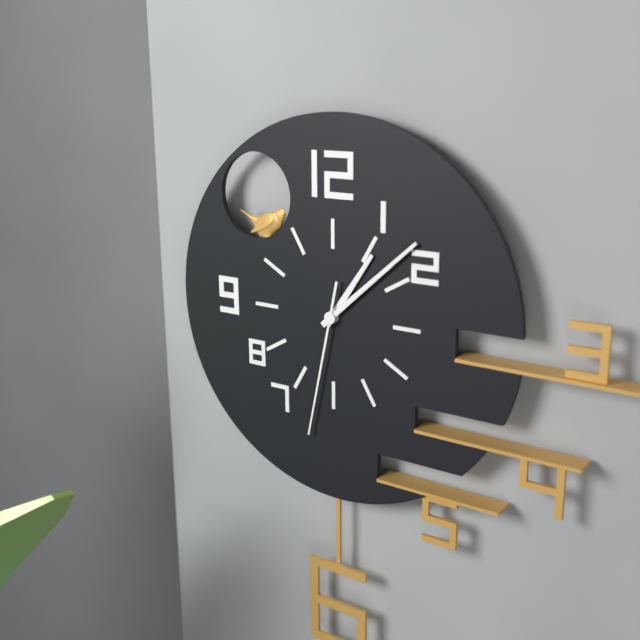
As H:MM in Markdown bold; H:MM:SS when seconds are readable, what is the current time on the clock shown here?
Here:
**1:08:32**
